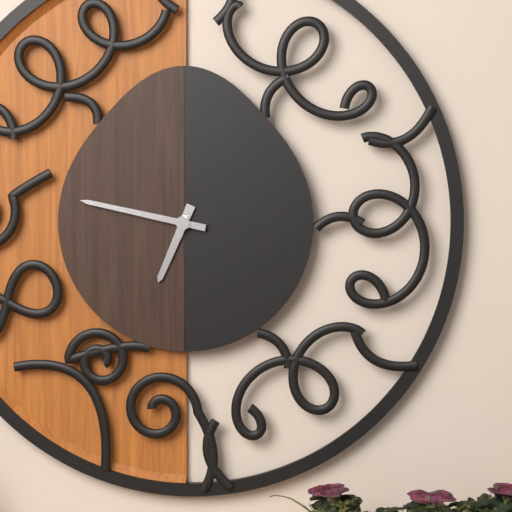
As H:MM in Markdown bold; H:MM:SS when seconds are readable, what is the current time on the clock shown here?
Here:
**6:47**
